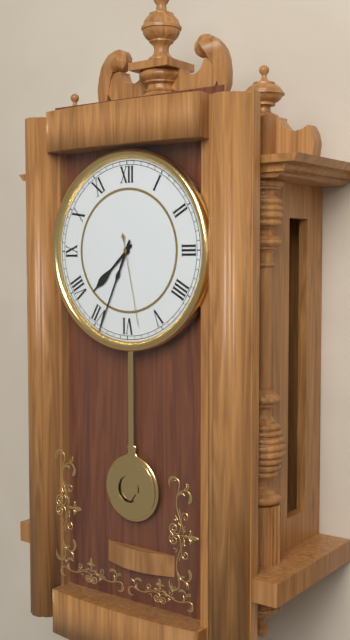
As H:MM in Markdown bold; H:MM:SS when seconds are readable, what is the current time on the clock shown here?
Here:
**7:34:28**
